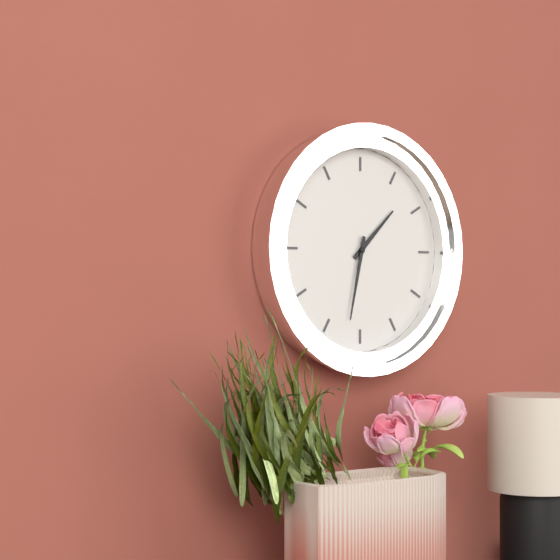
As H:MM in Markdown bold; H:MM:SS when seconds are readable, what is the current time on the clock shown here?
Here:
**1:32**
